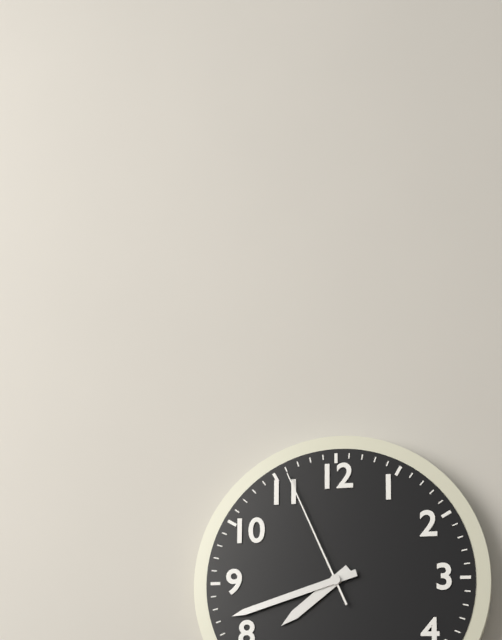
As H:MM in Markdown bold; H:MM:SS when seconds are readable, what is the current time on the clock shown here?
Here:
**7:42:56**
